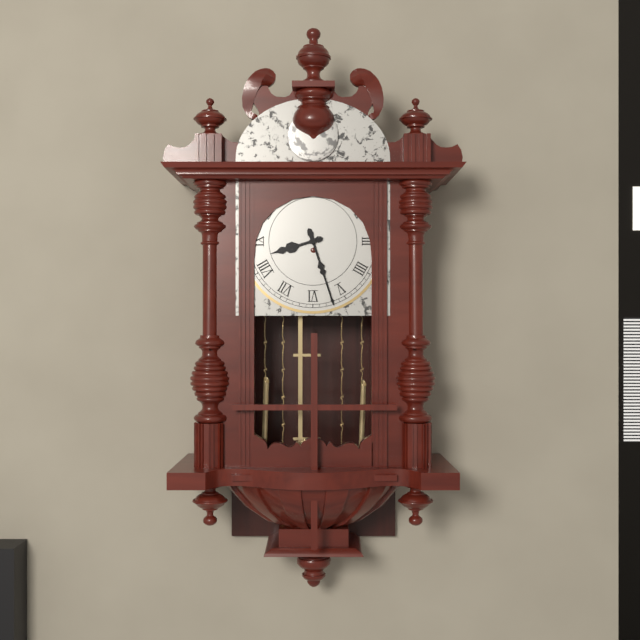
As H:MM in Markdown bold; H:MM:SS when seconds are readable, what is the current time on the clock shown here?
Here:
**8:27**
